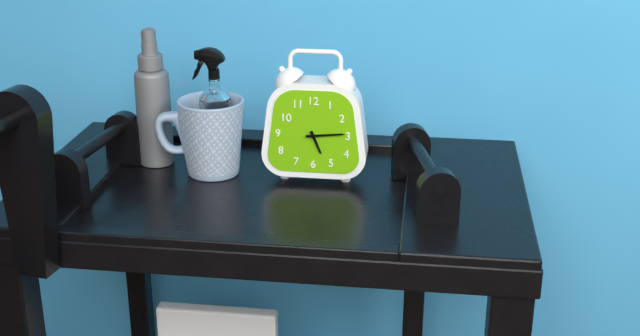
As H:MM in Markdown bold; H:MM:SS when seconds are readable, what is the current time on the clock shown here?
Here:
**5:14**
